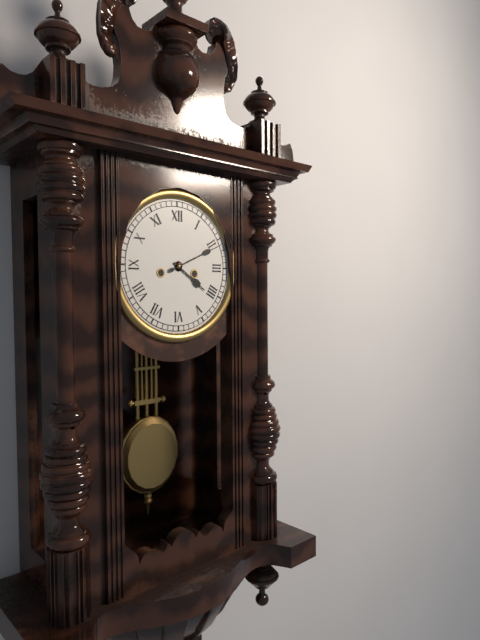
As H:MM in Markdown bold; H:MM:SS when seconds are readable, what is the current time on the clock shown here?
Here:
**4:11**
